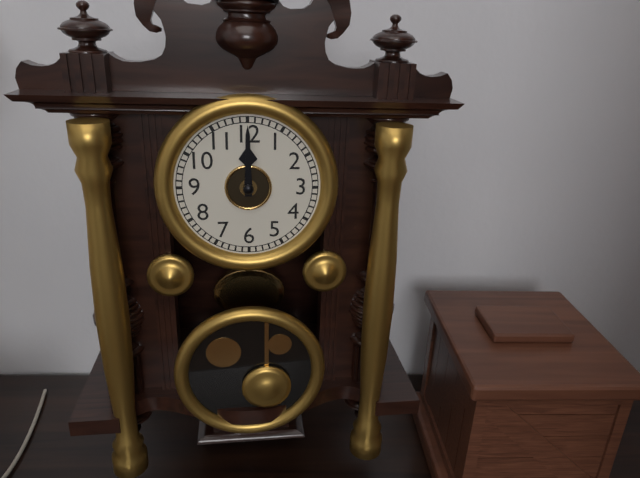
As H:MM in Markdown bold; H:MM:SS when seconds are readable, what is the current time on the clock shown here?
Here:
**12:00**
